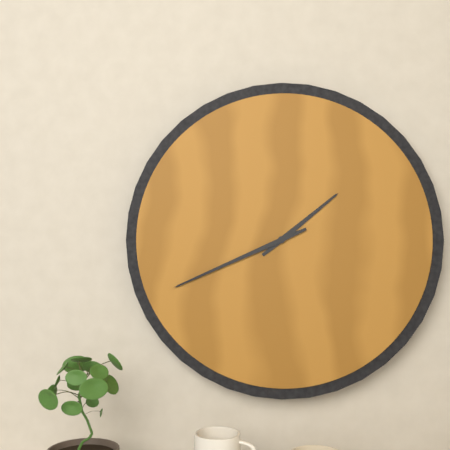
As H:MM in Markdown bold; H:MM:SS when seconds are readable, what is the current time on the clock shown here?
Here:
**1:41**
